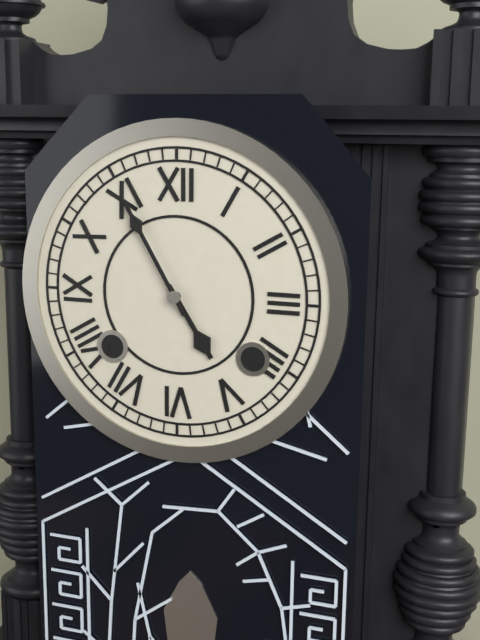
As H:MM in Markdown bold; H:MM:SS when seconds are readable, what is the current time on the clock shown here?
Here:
**4:55**
